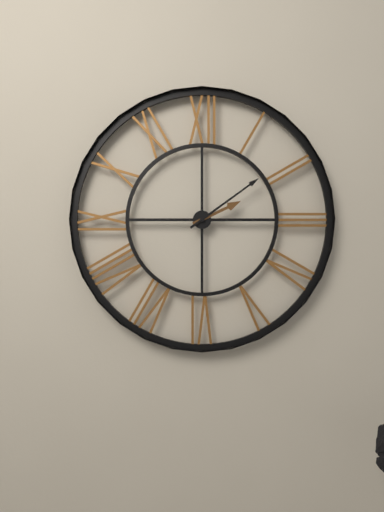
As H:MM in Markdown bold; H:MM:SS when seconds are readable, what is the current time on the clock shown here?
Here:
**2:09**
